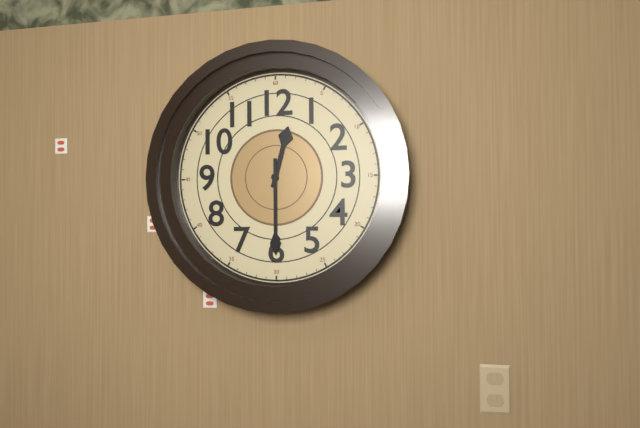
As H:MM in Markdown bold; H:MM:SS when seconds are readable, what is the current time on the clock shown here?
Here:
**12:30**
